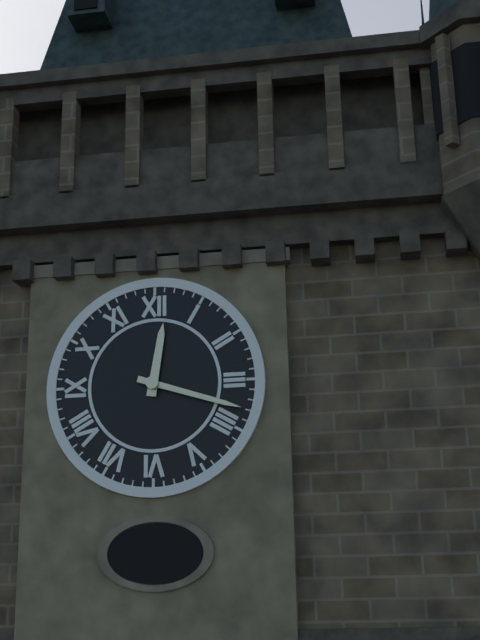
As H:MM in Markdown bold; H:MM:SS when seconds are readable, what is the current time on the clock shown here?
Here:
**12:18**
